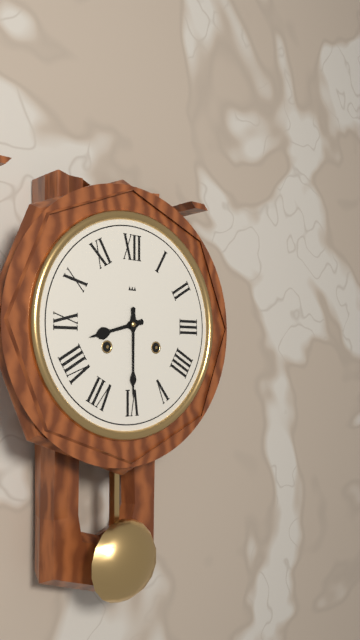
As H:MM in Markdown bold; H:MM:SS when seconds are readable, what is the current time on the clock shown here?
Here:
**8:30**
